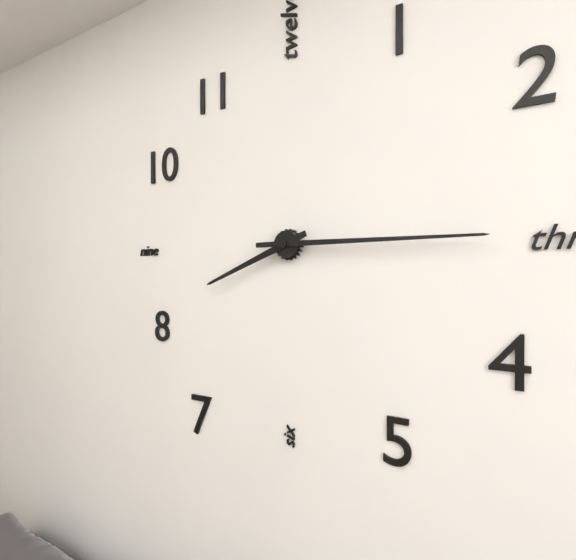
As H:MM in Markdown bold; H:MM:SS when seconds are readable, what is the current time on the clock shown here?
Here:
**8:15**
